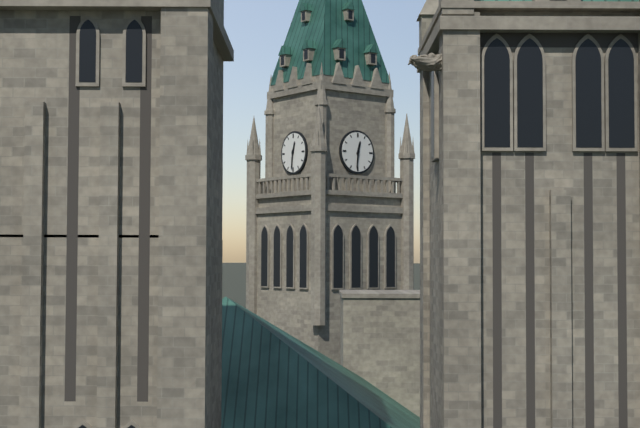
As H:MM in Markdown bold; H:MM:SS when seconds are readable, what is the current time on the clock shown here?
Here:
**12:31**
